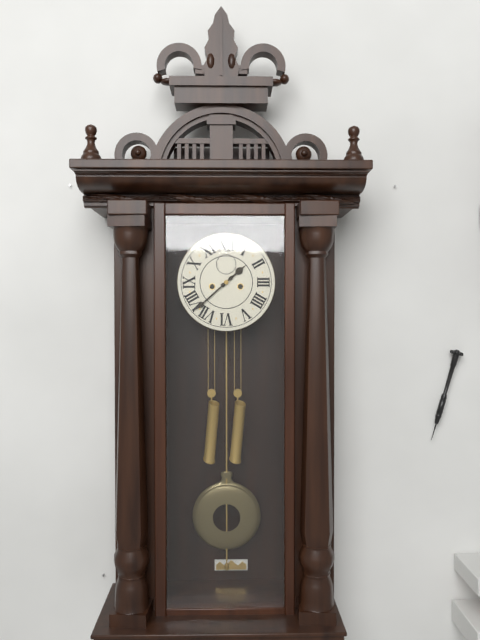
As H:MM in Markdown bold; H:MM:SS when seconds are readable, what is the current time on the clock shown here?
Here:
**1:38**
